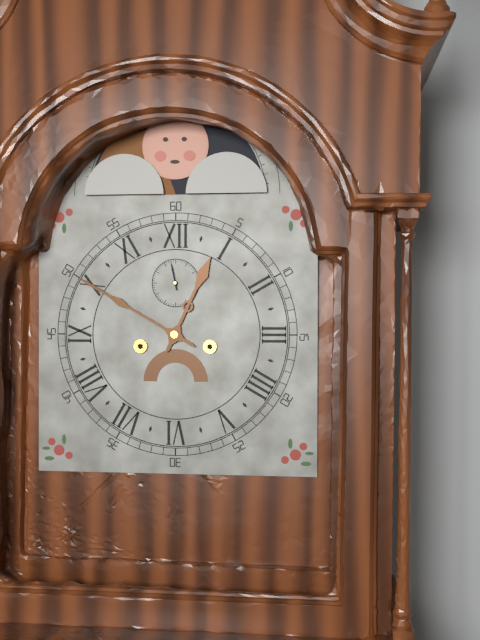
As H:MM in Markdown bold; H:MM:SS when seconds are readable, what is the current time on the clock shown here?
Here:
**12:50**
